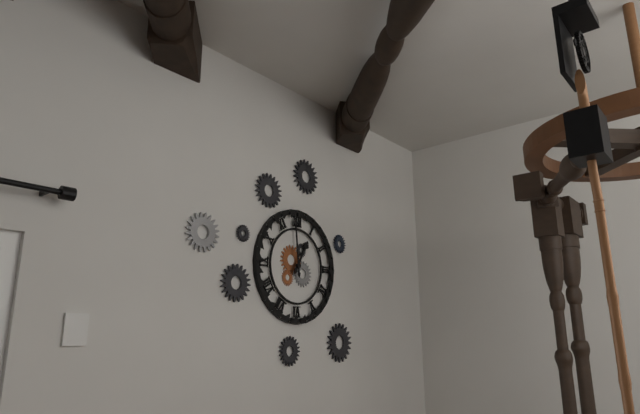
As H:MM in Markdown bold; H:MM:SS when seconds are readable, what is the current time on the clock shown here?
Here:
**12:59**
